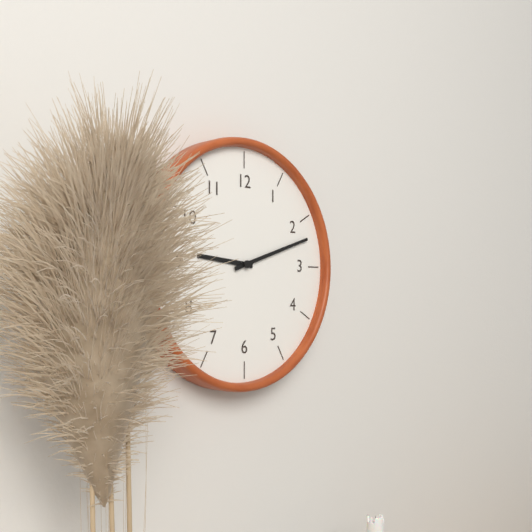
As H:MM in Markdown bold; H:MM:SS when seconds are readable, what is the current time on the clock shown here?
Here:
**9:12**
